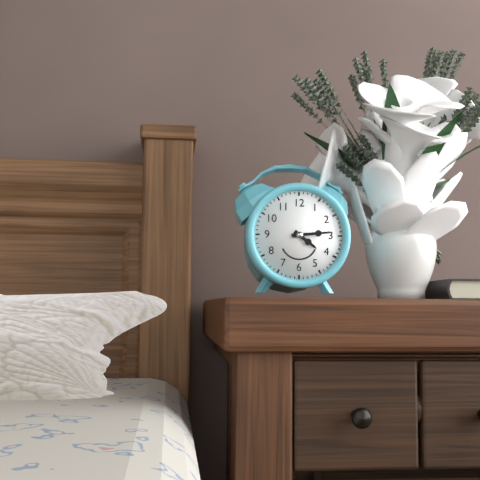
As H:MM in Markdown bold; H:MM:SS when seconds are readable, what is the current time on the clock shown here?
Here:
**4:14**
